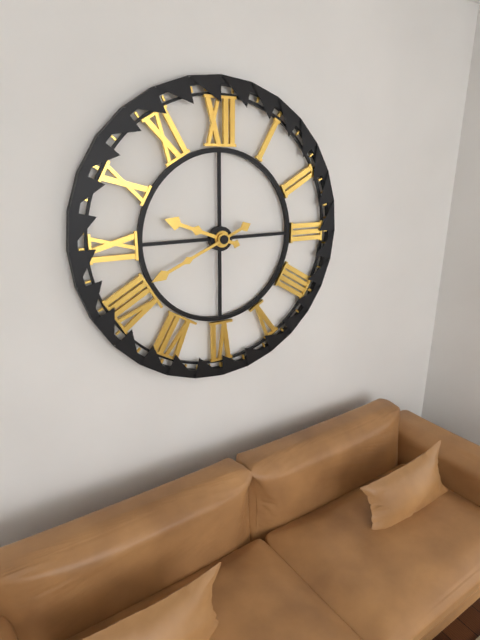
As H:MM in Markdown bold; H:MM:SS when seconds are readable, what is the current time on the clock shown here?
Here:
**9:41**
